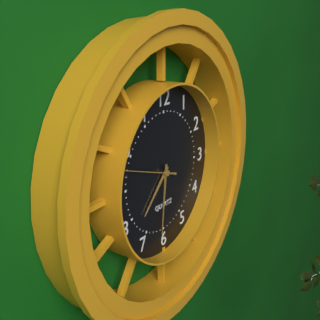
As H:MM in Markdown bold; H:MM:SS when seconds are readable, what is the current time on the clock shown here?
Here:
**7:31:48**
